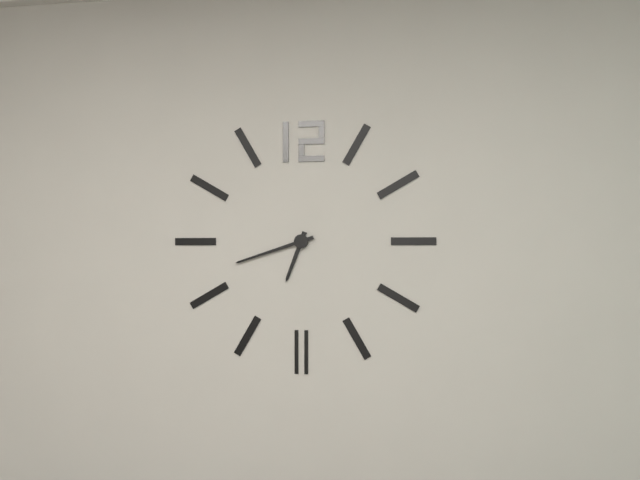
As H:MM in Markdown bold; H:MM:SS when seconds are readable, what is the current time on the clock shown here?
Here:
**6:42**
